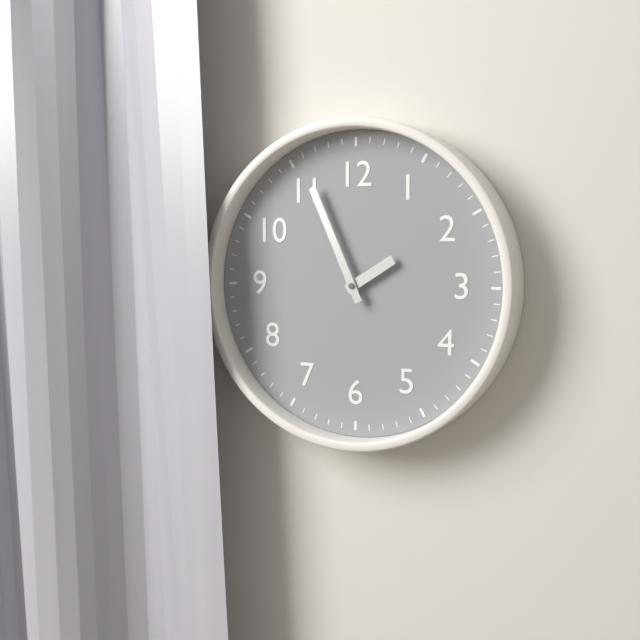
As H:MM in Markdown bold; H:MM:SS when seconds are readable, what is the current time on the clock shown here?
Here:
**1:56**
